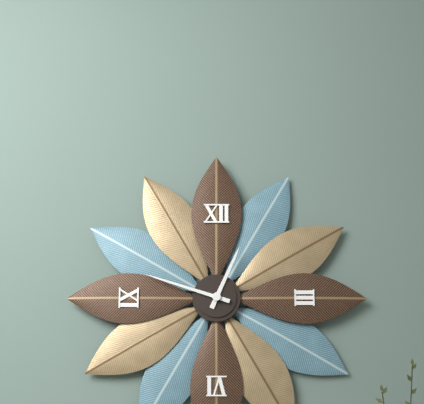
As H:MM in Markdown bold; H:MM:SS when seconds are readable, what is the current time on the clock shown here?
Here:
**12:48**
